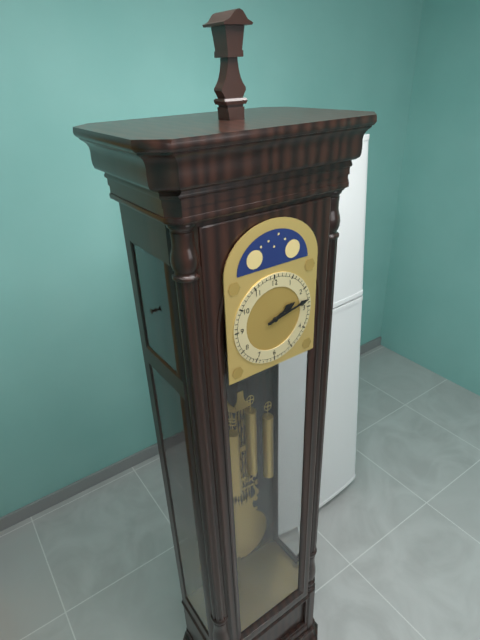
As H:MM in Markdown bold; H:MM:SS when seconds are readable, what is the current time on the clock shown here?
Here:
**2:13**
